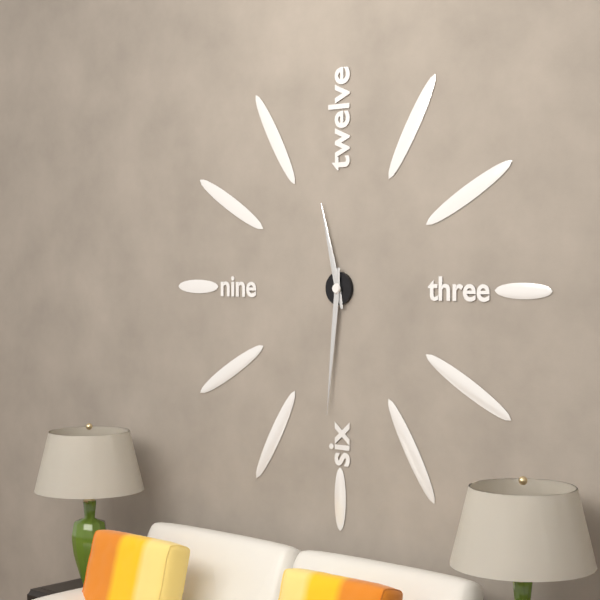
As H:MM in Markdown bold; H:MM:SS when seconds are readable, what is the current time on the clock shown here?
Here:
**11:31**
